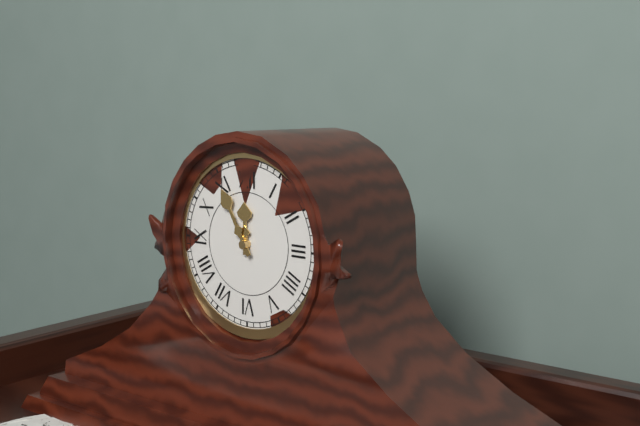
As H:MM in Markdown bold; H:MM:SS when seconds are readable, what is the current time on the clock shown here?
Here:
**11:55**
